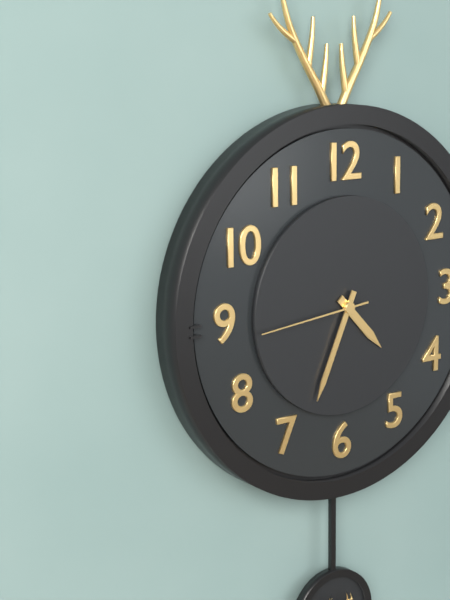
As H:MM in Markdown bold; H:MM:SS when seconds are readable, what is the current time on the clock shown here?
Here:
**4:34:44**
